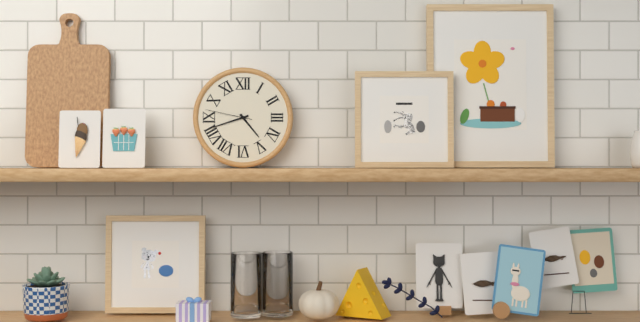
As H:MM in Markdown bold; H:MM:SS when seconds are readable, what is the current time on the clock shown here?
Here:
**4:42**
